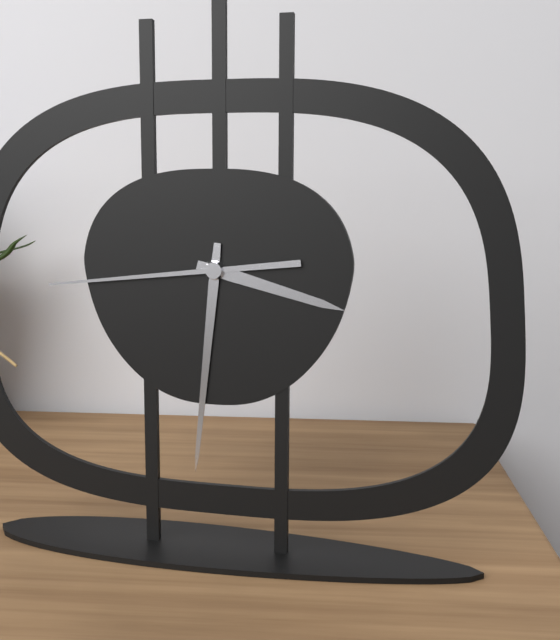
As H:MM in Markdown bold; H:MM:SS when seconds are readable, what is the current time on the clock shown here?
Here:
**3:31:44**
